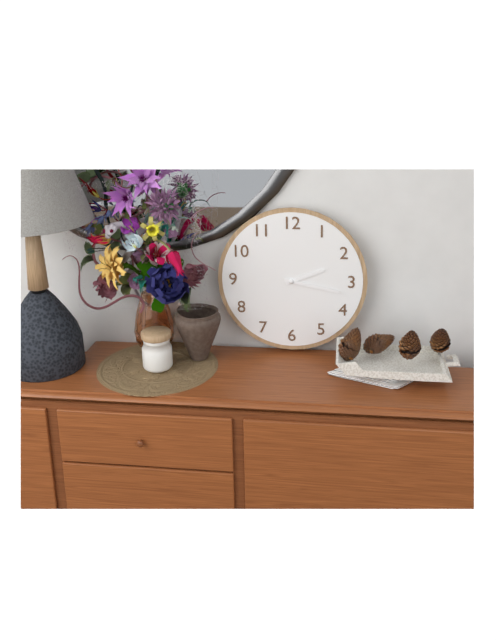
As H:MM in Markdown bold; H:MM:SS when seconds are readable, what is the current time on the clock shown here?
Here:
**2:17**
